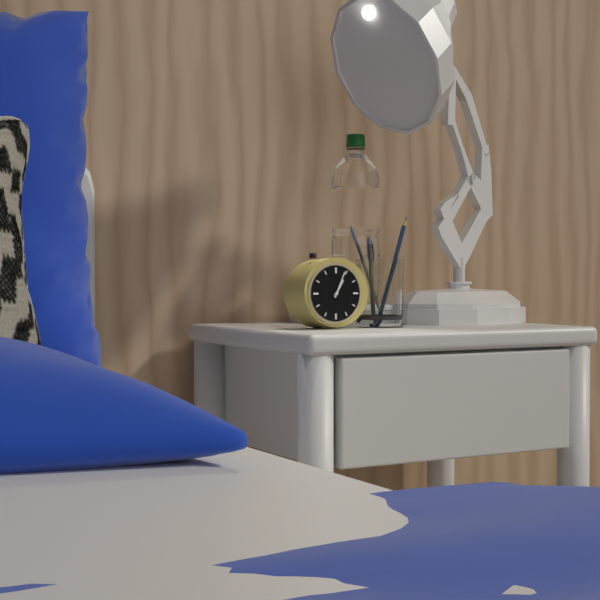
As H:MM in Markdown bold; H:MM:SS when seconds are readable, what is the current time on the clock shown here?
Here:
**1:04**
